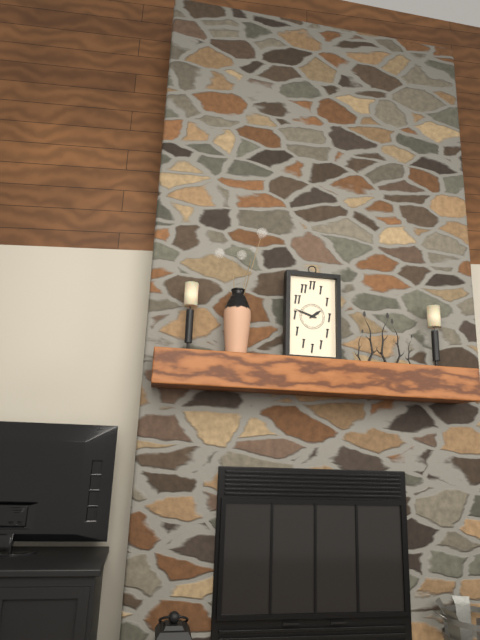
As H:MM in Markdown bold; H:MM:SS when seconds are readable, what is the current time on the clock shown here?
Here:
**1:48**
